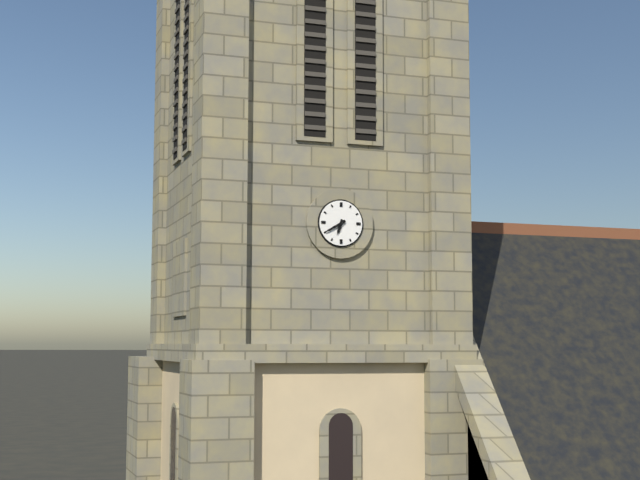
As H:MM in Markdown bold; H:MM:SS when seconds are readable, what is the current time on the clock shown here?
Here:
**6:40**
